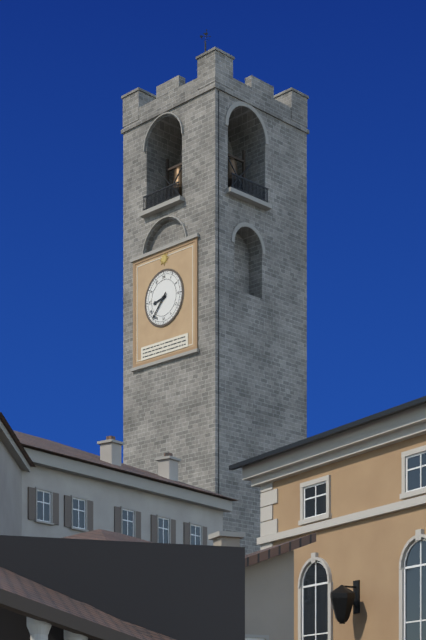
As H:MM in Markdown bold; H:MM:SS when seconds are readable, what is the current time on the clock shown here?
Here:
**8:37**
